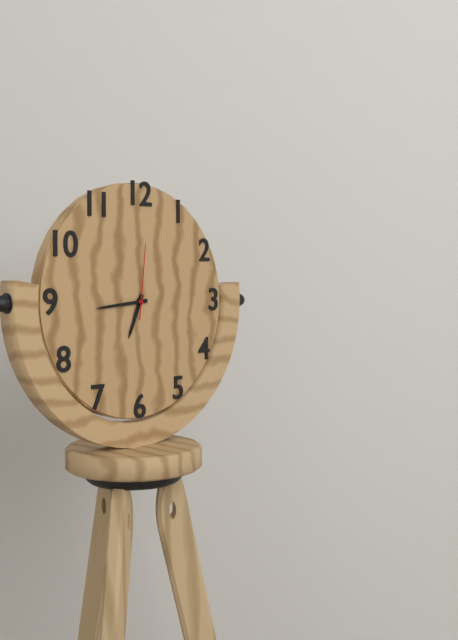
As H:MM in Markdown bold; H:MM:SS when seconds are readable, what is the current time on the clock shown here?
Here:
**6:44:01**
